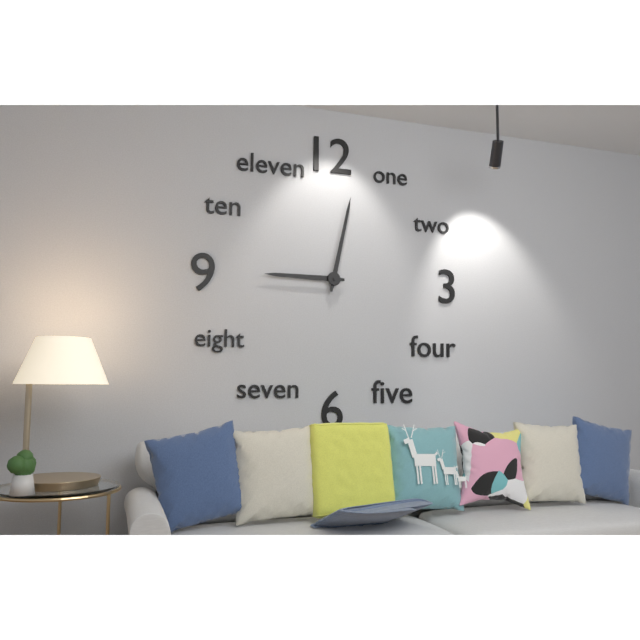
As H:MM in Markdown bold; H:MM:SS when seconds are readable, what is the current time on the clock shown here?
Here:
**9:02**
